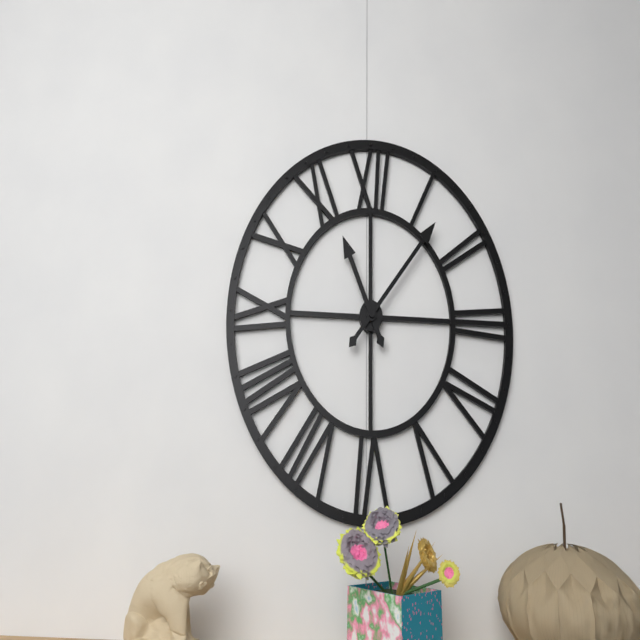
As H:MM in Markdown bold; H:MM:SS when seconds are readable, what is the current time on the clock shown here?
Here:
**11:07**
